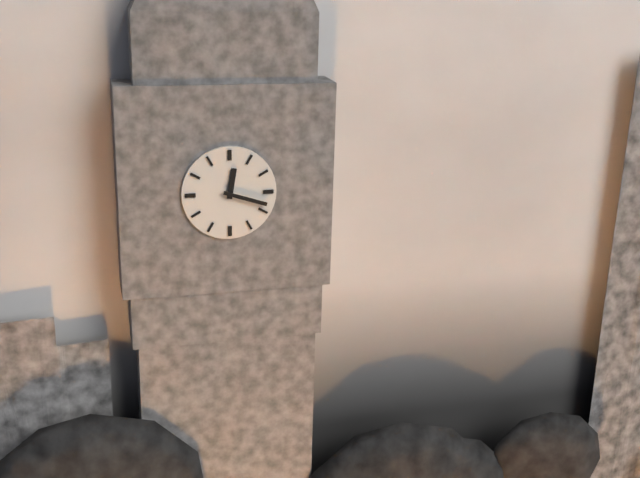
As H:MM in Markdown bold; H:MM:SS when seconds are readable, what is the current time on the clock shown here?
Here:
**12:18**
